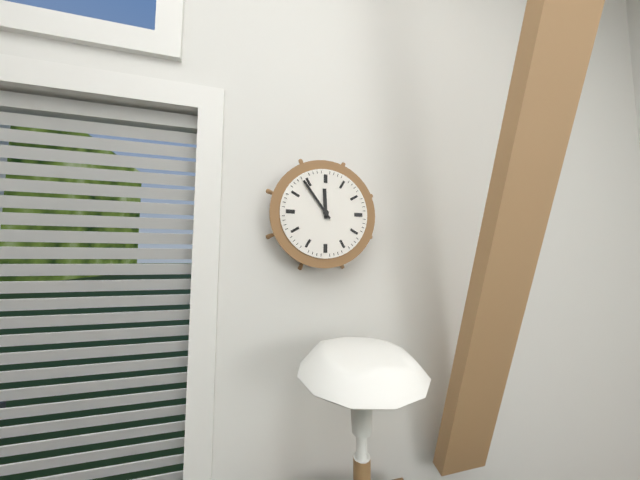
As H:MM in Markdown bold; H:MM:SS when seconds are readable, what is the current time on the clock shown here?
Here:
**11:54**
